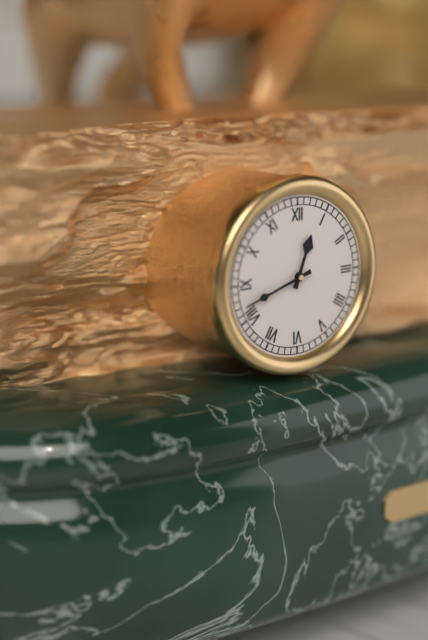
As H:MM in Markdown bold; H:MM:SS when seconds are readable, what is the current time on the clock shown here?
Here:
**12:42**
